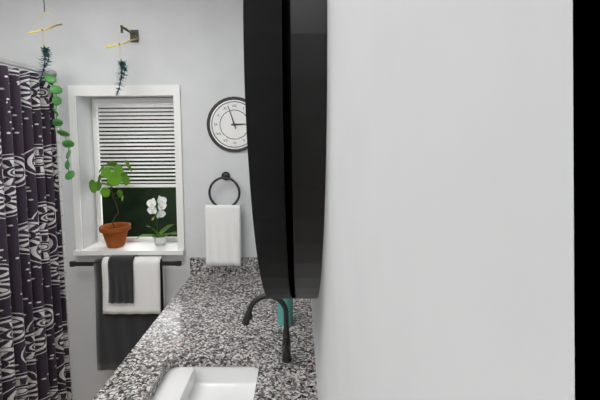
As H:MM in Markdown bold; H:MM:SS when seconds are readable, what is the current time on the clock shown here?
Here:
**2:57**
